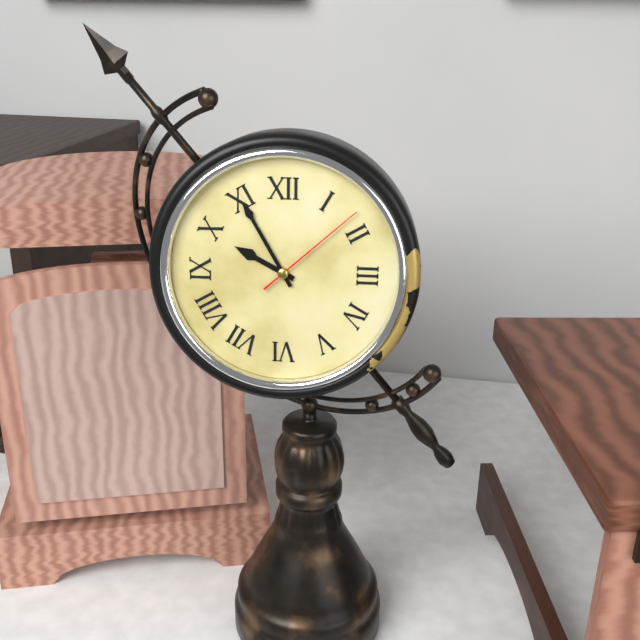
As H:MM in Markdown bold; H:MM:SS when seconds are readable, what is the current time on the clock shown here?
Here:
**9:55:08**
